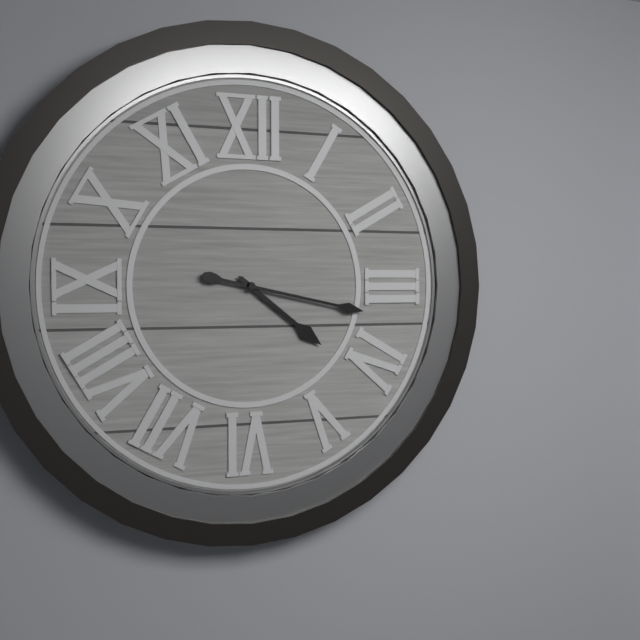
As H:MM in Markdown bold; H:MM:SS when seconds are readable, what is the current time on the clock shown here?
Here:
**4:17**
